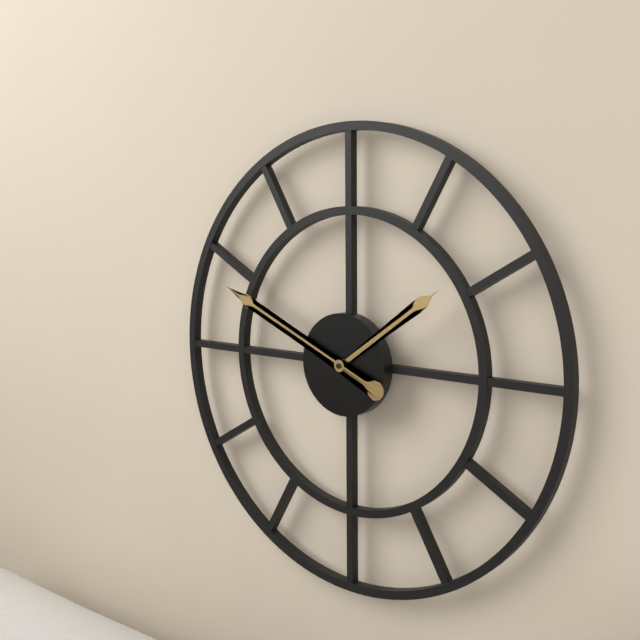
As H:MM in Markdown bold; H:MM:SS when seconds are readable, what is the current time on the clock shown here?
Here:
**1:49**
